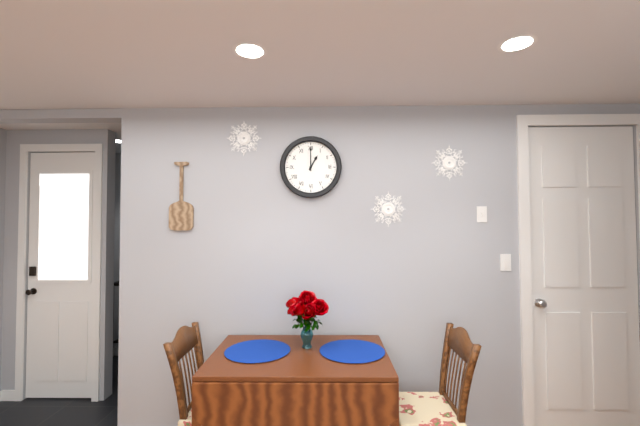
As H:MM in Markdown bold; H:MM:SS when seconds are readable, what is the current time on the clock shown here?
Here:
**1:00**
